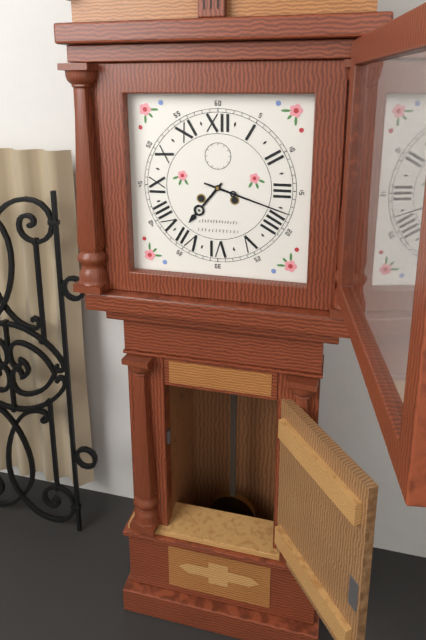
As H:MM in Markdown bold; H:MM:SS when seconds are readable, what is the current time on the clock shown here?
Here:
**7:18**
